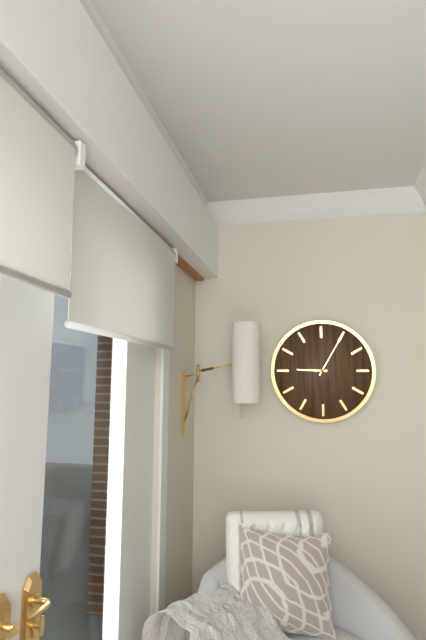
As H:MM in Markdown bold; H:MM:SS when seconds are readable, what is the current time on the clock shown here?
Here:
**9:05**
